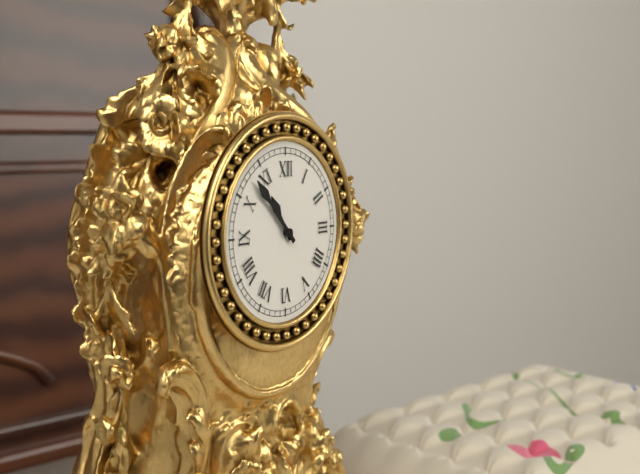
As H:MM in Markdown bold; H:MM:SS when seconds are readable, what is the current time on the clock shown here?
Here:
**10:53**
